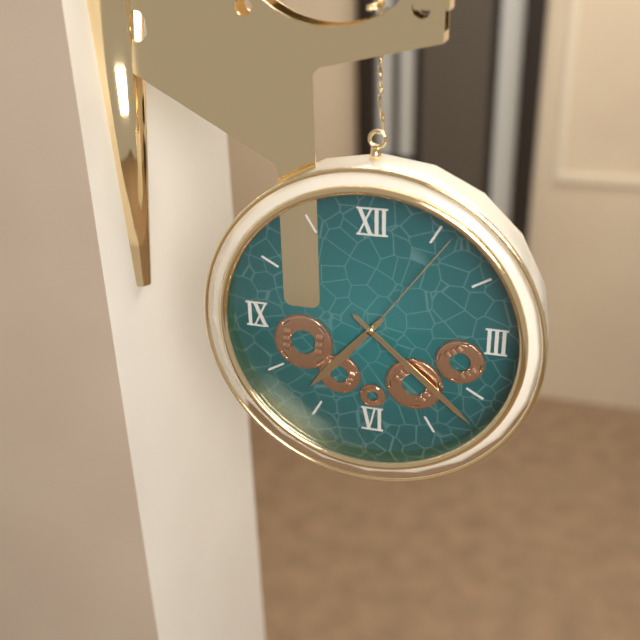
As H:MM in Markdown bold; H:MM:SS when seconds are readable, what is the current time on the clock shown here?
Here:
**7:22:06**
